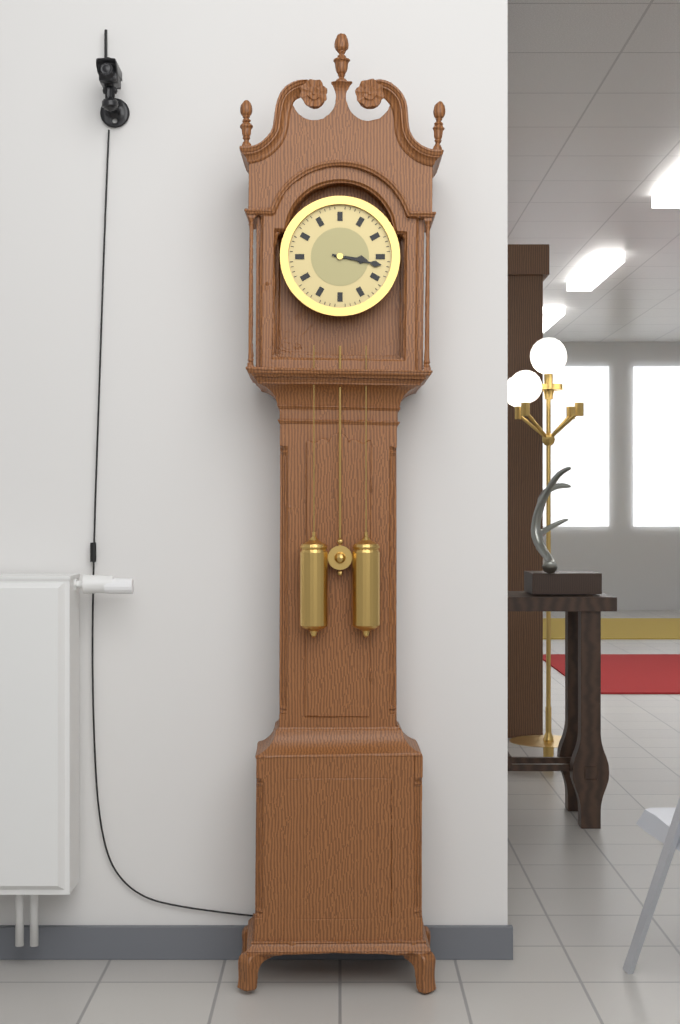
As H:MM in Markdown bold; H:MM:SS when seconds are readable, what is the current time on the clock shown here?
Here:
**3:17**
